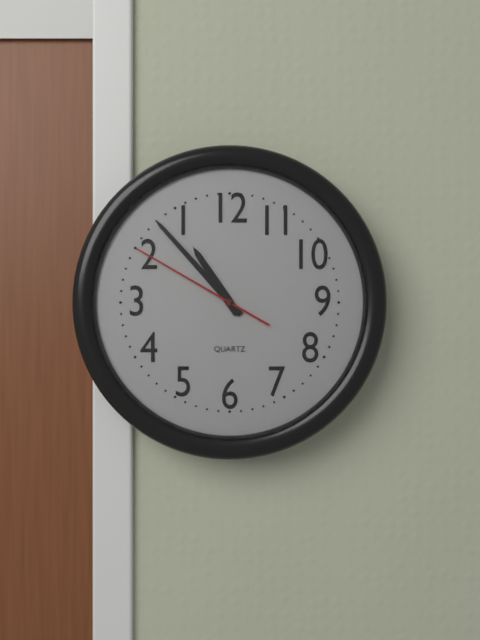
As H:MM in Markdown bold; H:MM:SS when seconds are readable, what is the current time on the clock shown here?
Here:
**10:53:50**
